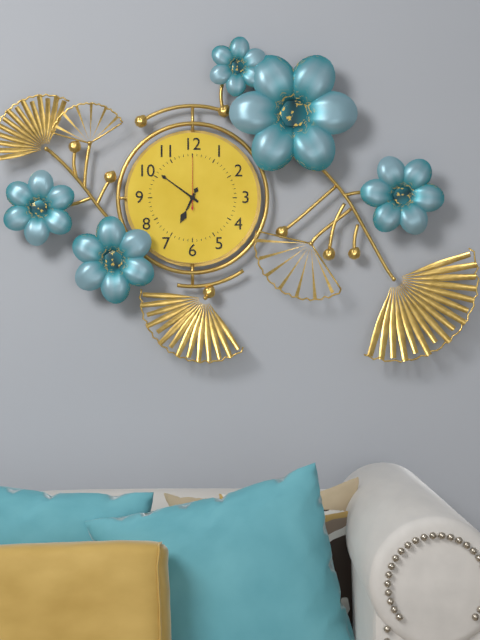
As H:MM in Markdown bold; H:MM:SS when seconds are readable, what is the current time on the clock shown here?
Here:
**6:51:00**
